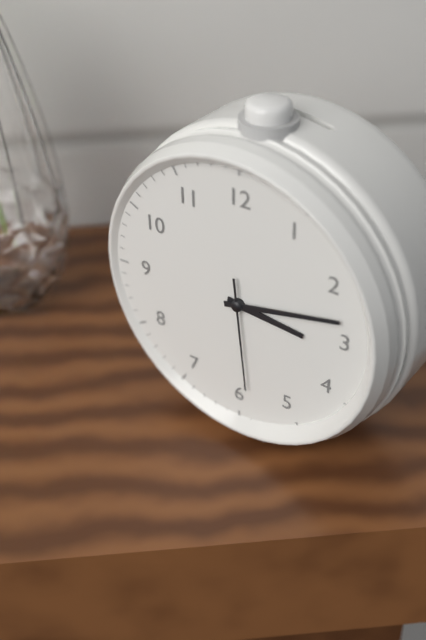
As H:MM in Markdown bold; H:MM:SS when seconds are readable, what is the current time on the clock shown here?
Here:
**3:13:29**
